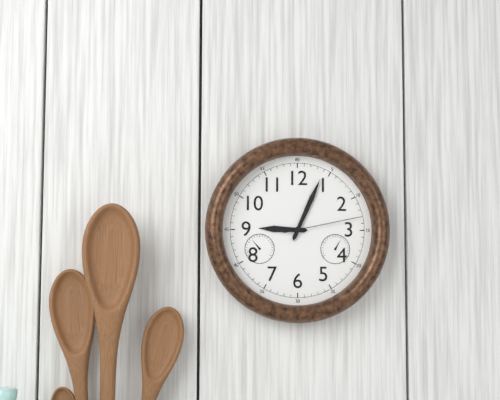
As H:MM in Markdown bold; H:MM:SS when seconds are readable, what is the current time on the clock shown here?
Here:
**9:04:13**
